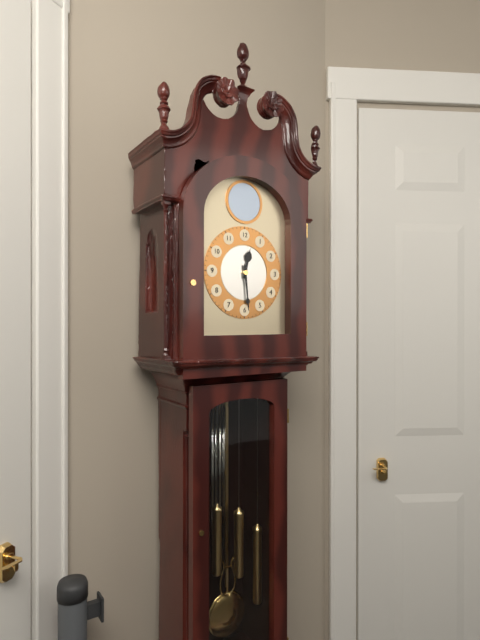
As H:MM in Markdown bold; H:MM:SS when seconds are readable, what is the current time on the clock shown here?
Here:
**12:29**
